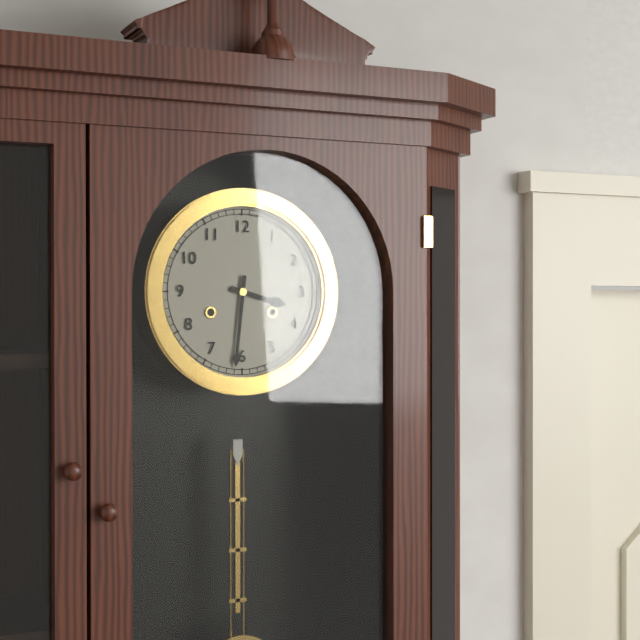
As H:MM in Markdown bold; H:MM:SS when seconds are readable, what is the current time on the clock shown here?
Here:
**3:31**
